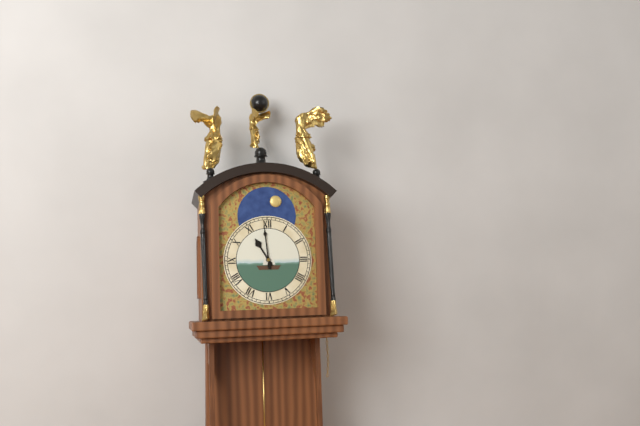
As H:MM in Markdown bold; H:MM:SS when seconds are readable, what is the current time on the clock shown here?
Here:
**10:59**
